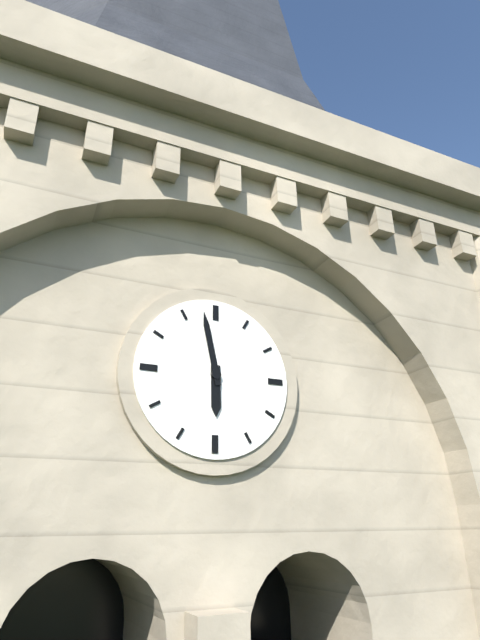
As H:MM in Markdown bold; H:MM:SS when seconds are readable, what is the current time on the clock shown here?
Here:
**5:58**
